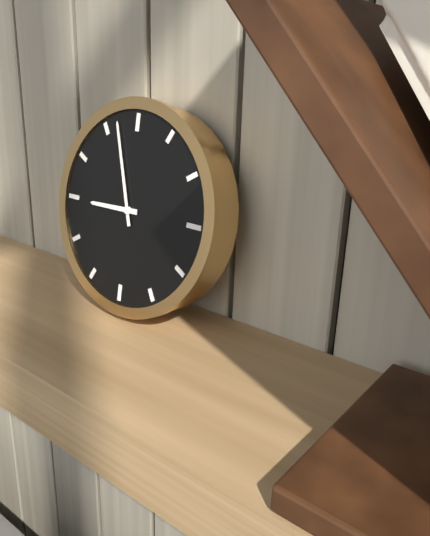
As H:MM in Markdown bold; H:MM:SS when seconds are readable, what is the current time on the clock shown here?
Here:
**8:57**
